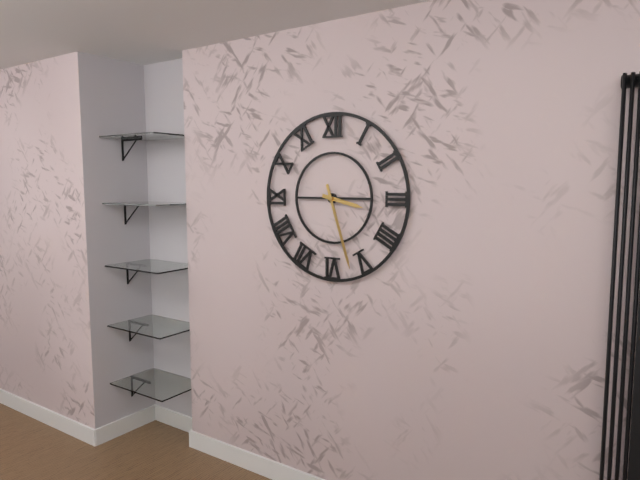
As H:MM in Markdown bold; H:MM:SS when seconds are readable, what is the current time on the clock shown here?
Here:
**3:27**
